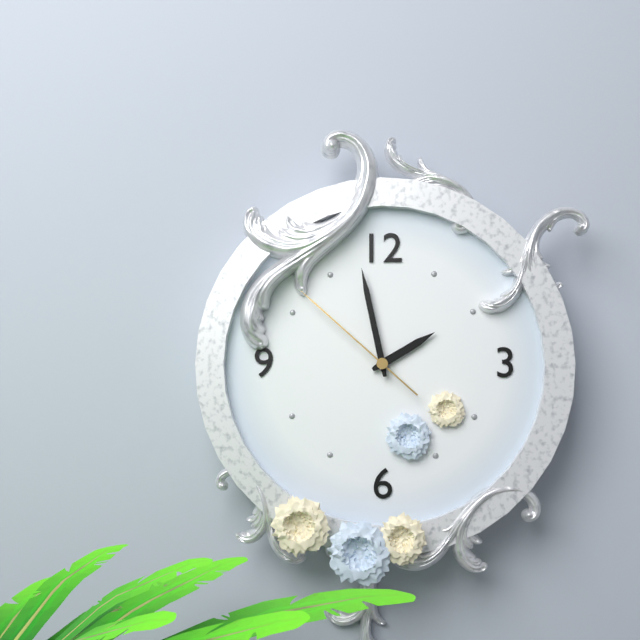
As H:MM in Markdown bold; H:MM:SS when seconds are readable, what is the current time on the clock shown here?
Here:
**1:58:52**
